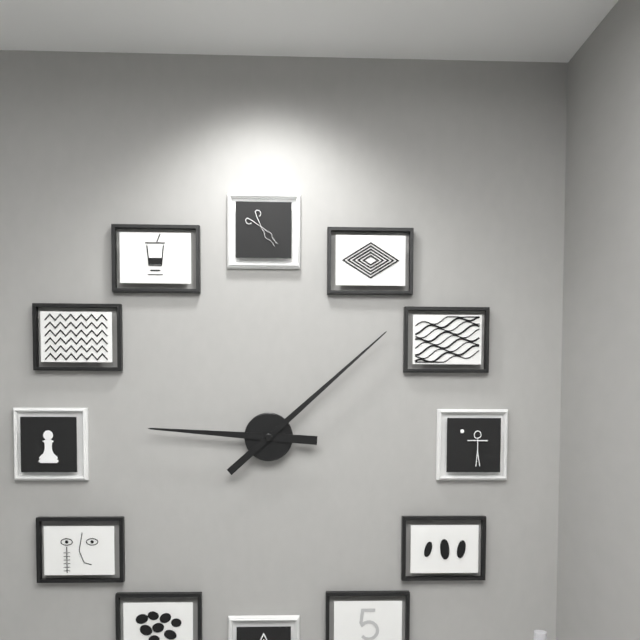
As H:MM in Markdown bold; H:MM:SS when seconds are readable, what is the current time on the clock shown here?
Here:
**9:08**
